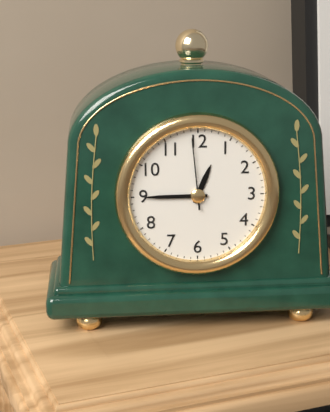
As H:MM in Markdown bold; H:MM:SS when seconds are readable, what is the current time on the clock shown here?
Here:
**12:45:59**
